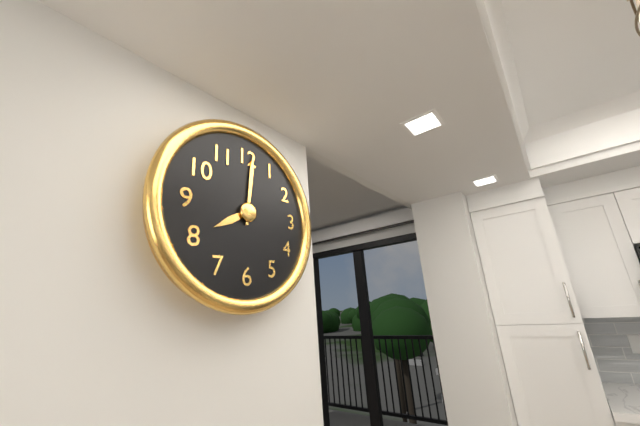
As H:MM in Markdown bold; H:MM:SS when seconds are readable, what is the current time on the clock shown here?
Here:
**8:01**
